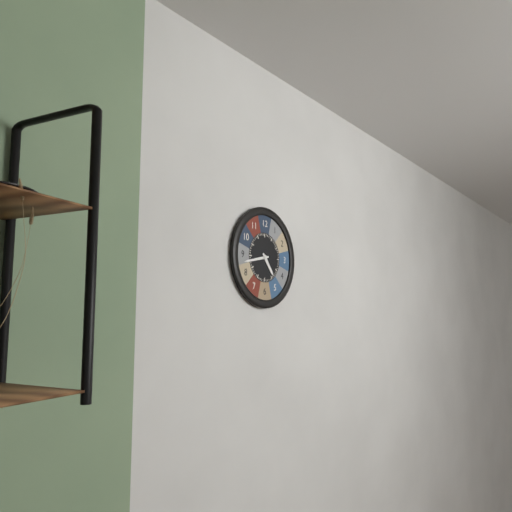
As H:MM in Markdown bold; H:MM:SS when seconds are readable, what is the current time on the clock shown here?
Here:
**4:43**
